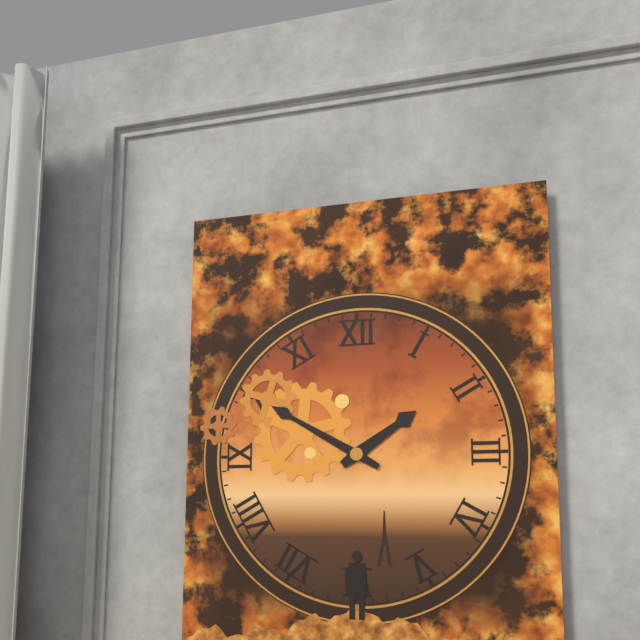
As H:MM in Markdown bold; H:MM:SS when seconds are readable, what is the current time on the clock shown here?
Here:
**1:50**
